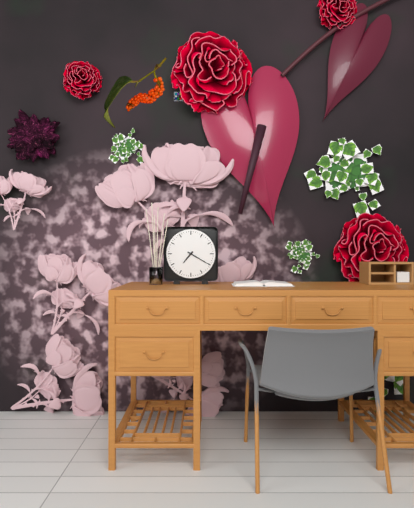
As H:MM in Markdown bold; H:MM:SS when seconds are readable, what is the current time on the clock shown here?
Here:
**7:20**
